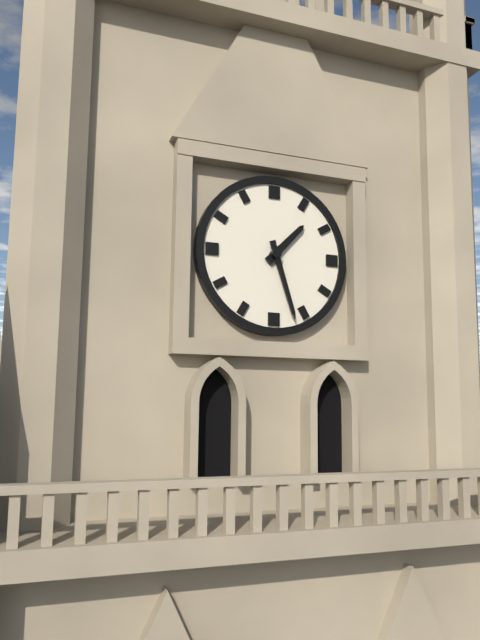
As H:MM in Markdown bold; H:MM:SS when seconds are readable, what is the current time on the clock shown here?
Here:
**1:27**
